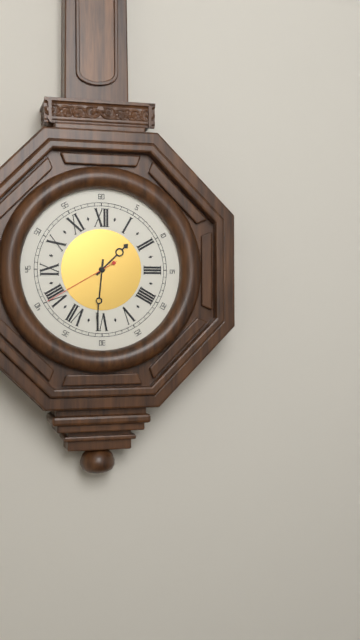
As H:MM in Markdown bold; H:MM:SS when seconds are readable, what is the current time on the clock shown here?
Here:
**1:31:40**
